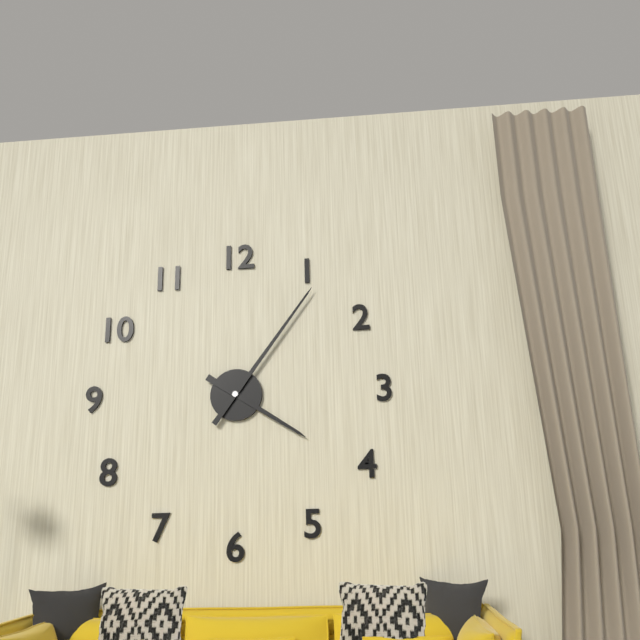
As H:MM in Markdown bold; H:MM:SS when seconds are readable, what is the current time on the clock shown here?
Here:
**4:06**
